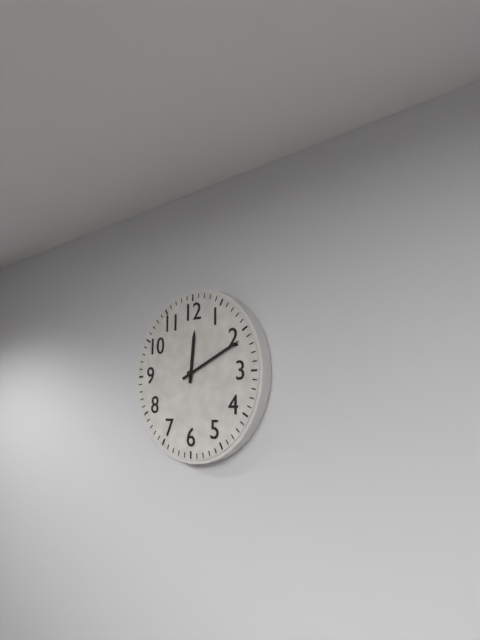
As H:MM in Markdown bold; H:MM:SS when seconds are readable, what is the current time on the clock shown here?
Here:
**12:11**
